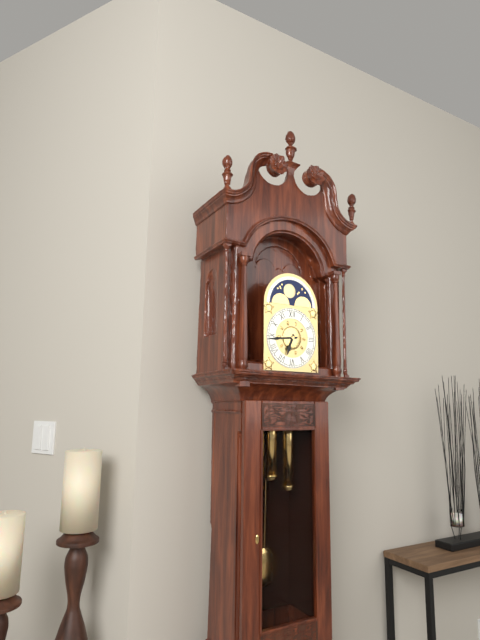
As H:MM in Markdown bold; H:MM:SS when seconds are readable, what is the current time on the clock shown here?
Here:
**6:44**
